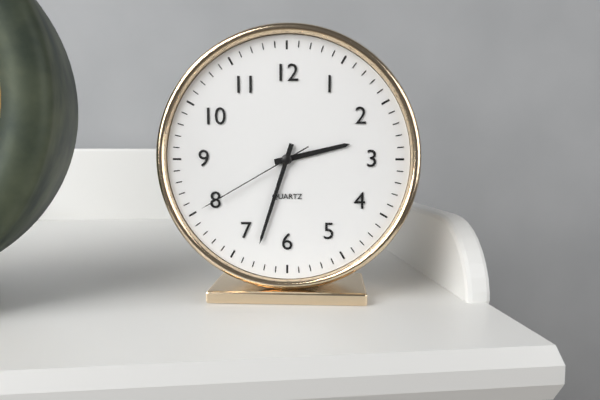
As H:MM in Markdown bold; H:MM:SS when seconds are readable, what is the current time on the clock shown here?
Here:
**2:33:40**
